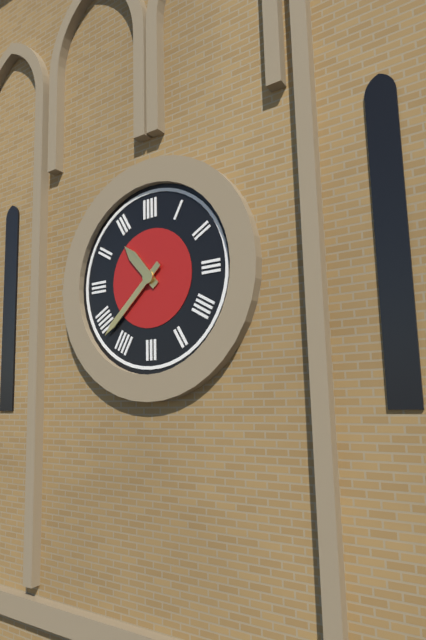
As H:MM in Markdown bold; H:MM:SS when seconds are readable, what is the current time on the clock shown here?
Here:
**10:38**
